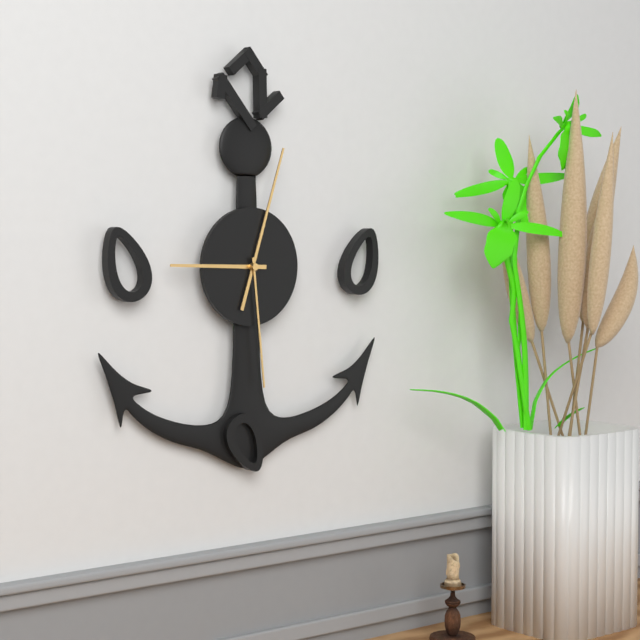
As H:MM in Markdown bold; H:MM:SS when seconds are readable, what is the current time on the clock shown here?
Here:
**9:03:29**
